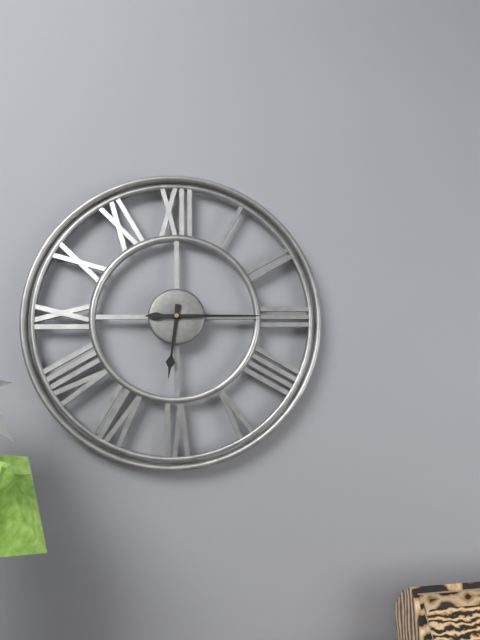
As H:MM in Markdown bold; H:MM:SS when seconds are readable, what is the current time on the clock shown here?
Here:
**6:15**
